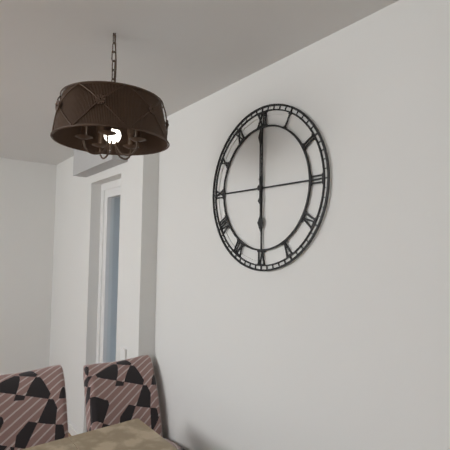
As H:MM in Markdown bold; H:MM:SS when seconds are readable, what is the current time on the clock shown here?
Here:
**6:00**
